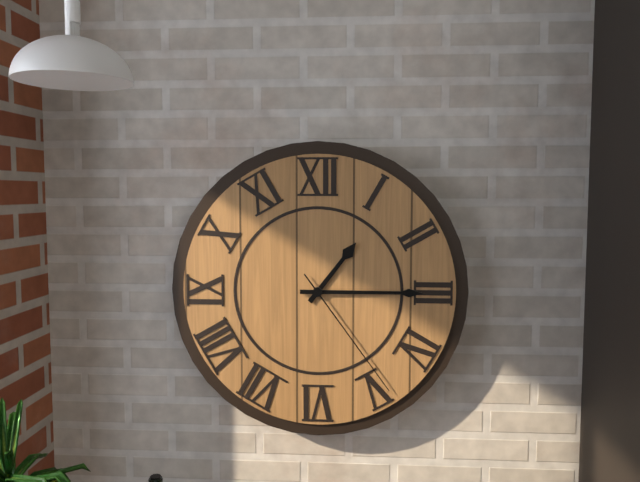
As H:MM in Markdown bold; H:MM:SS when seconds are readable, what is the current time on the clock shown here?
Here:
**1:15:24**
